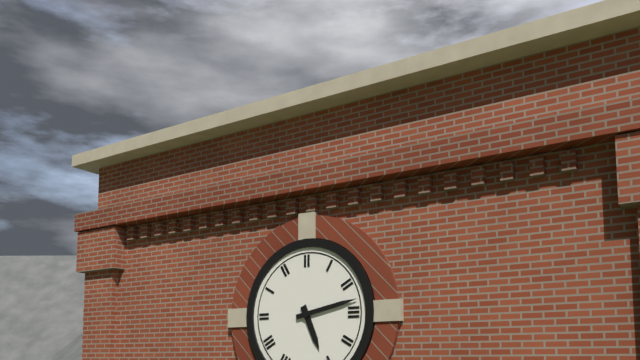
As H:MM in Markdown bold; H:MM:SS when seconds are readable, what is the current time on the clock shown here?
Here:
**5:13**
